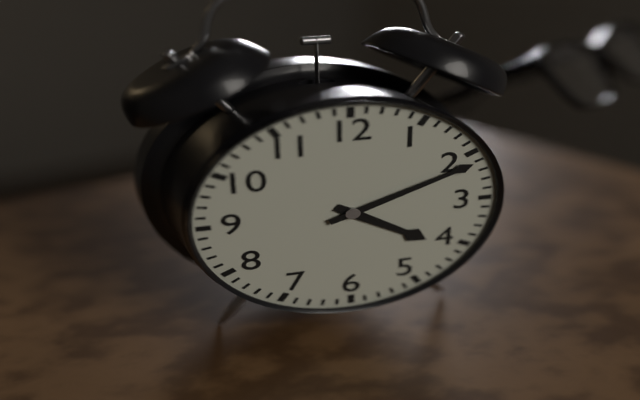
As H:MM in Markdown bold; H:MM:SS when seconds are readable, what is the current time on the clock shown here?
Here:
**4:11**
